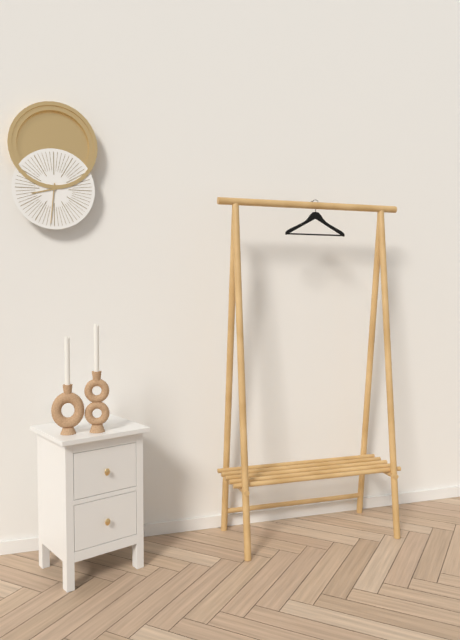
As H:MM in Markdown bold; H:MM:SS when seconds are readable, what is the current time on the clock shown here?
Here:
**8:31**
